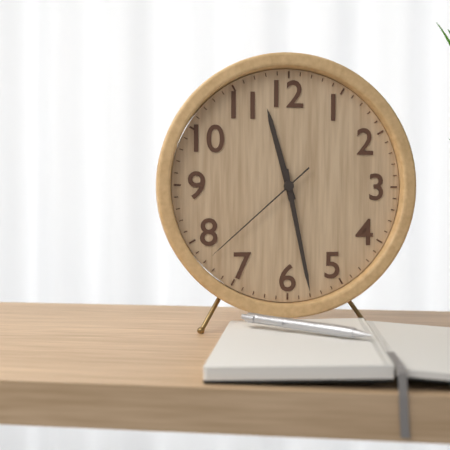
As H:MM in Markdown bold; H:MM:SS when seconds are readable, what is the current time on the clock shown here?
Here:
**11:28:38**
